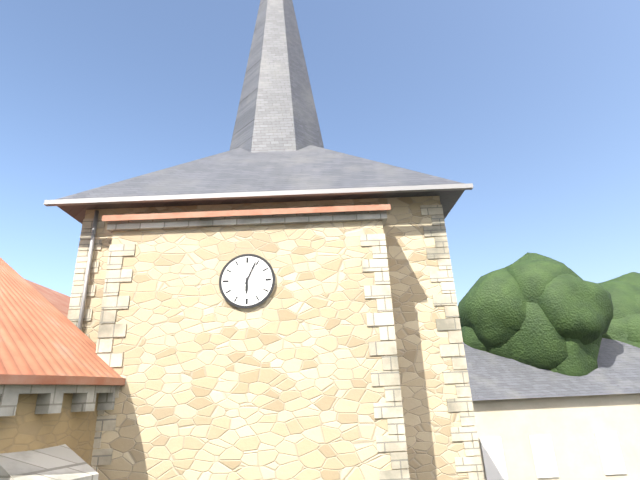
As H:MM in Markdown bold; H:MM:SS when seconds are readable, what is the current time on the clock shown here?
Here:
**6:04**
